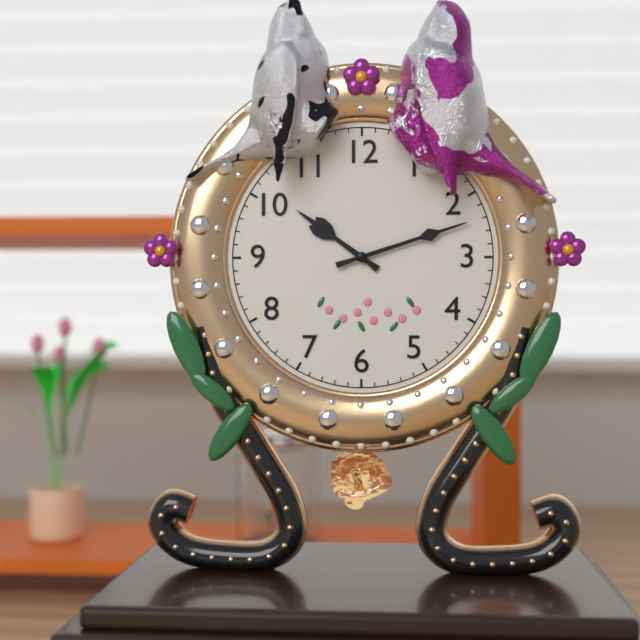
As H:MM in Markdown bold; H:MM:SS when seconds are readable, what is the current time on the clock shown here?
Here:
**10:12**
